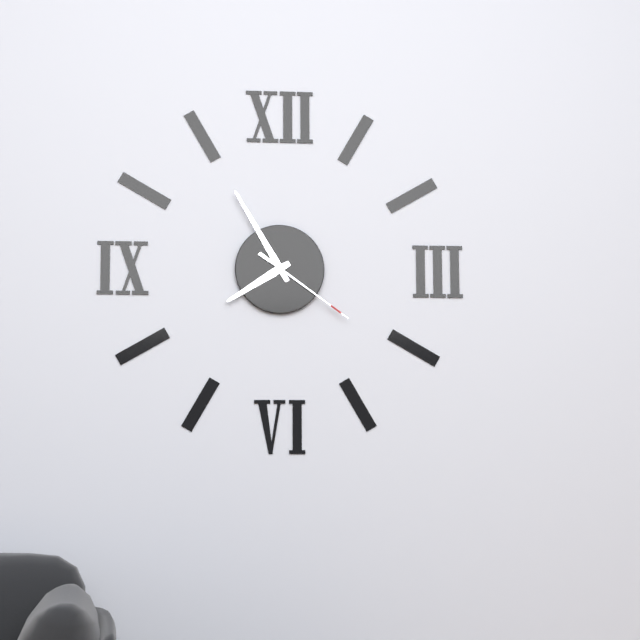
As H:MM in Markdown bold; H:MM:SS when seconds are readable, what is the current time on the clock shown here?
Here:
**7:55:21**
